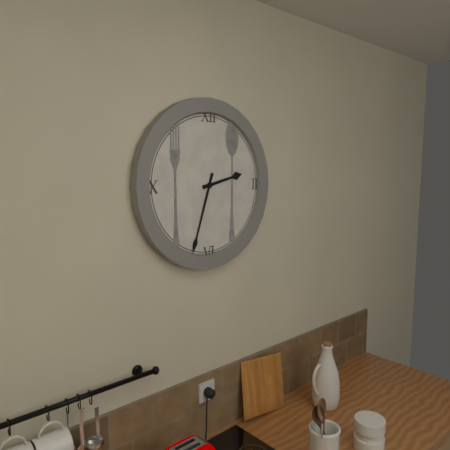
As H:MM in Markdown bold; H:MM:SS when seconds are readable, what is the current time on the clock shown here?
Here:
**2:33**
